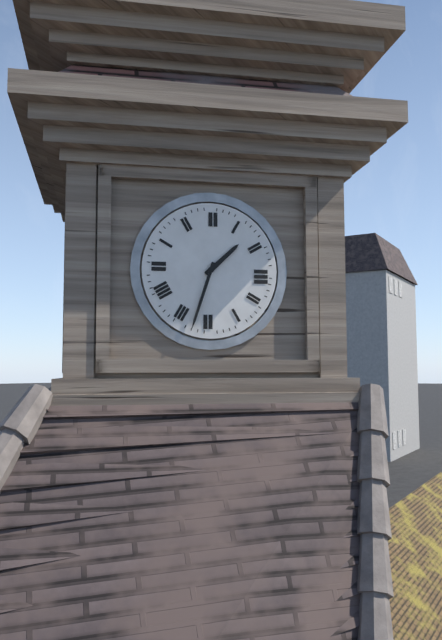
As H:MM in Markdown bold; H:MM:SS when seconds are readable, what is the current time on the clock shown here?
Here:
**1:33**
